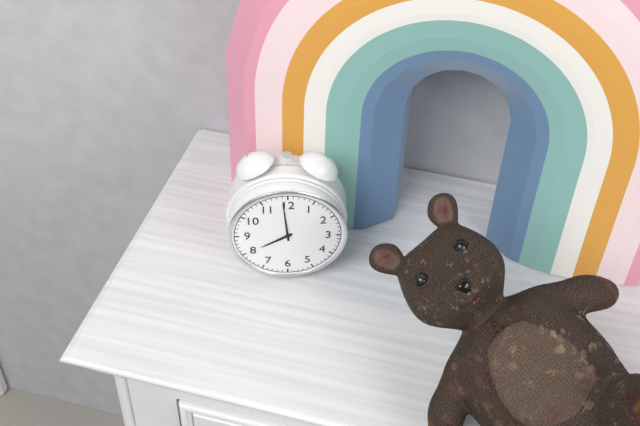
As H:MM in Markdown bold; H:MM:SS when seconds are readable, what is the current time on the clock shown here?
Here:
**7:59**
